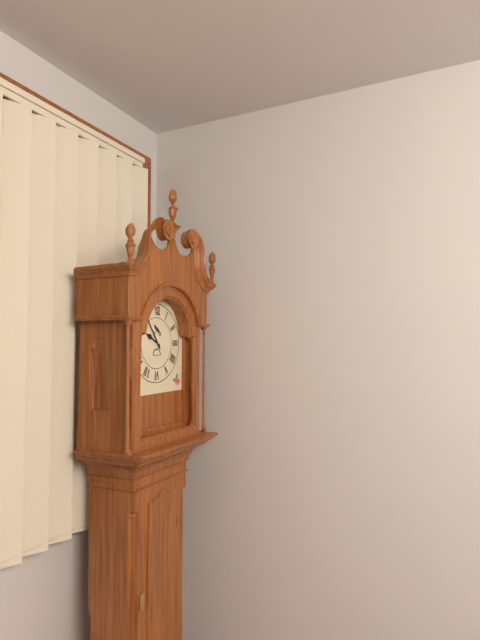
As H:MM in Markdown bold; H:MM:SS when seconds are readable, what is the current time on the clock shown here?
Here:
**9:54**
